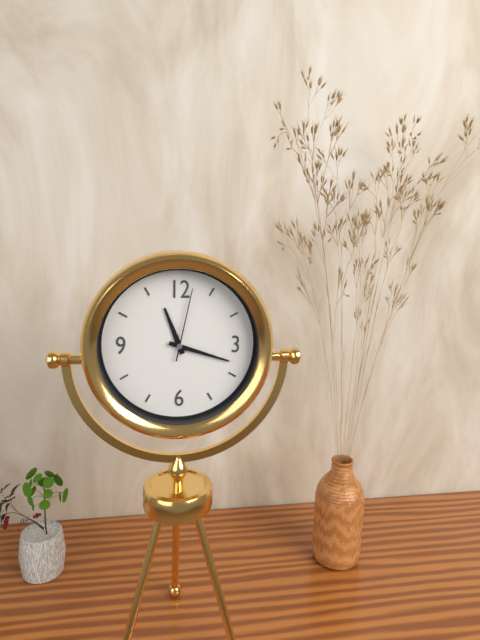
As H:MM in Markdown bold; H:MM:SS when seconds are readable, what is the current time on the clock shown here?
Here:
**11:18:02**
